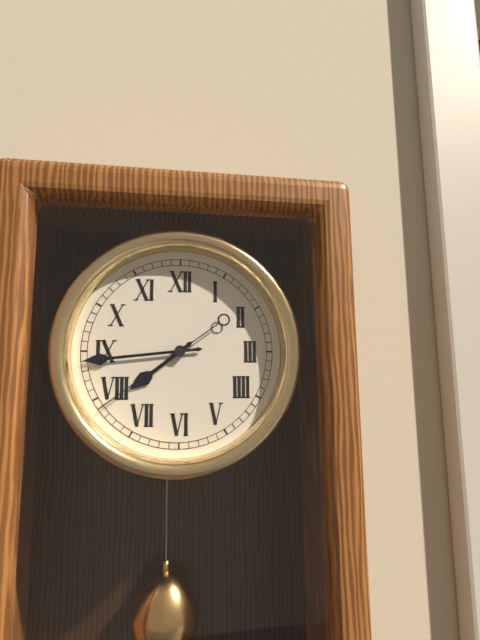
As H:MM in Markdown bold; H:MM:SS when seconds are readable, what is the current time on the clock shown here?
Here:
**7:44:39**
